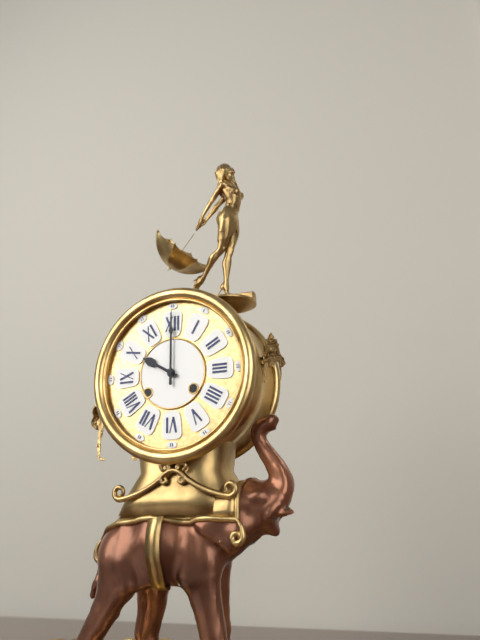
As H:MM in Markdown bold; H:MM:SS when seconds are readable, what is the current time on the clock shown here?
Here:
**10:00**
